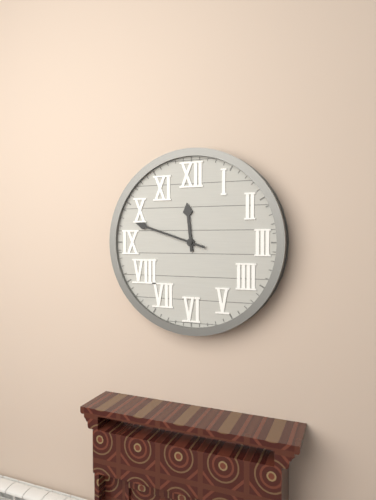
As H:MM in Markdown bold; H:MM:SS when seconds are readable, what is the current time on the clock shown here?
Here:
**11:48**
